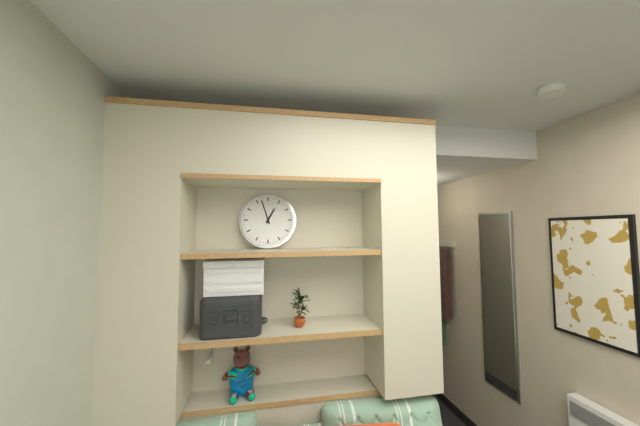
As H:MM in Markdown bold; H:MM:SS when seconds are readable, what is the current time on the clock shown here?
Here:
**12:57**
